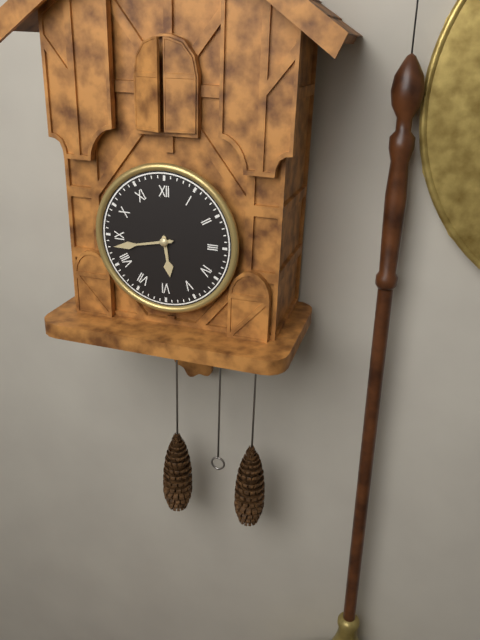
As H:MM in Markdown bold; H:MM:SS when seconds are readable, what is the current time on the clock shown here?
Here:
**5:43**
